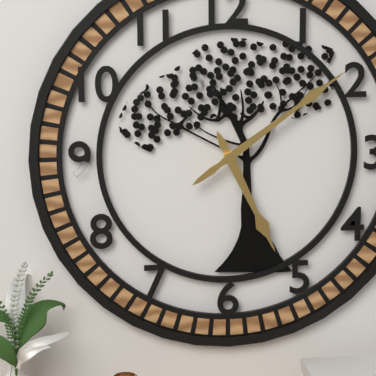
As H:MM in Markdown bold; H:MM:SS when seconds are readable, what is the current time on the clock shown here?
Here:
**5:09**
